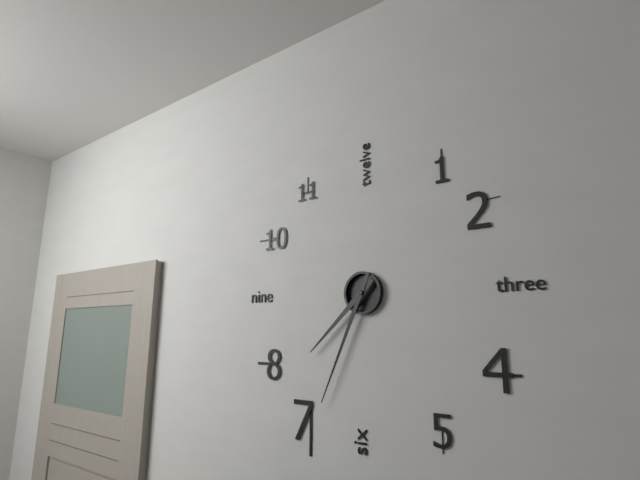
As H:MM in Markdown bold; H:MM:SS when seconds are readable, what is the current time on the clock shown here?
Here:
**7:34**
